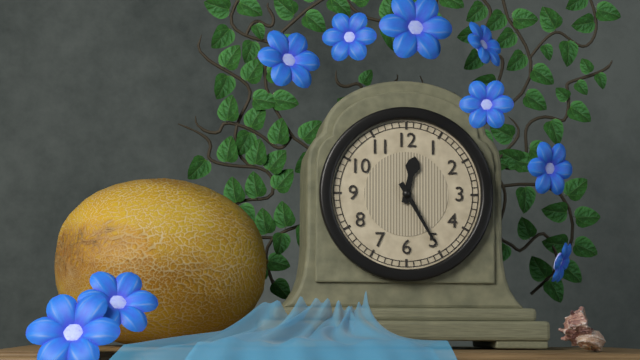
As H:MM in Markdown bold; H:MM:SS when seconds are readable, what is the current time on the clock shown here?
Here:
**12:25**
